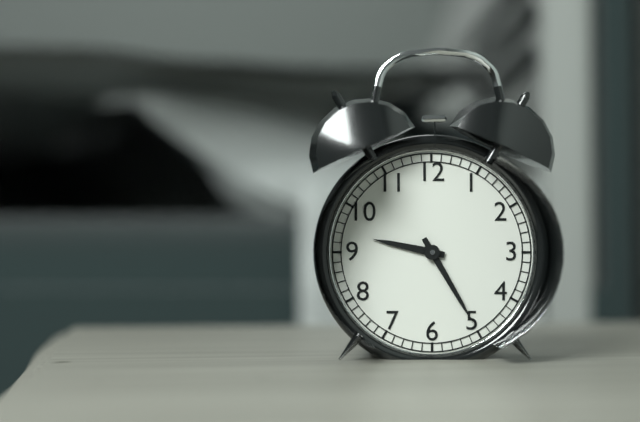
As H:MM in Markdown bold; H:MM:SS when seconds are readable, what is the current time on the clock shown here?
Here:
**9:25**
